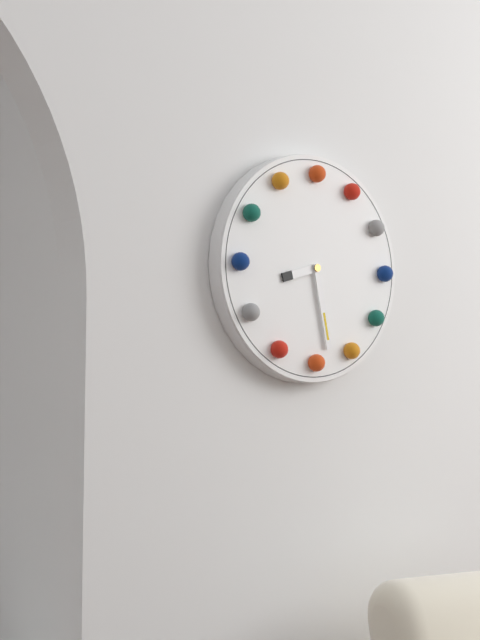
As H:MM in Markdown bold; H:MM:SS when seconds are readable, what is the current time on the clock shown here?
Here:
**8:28**
